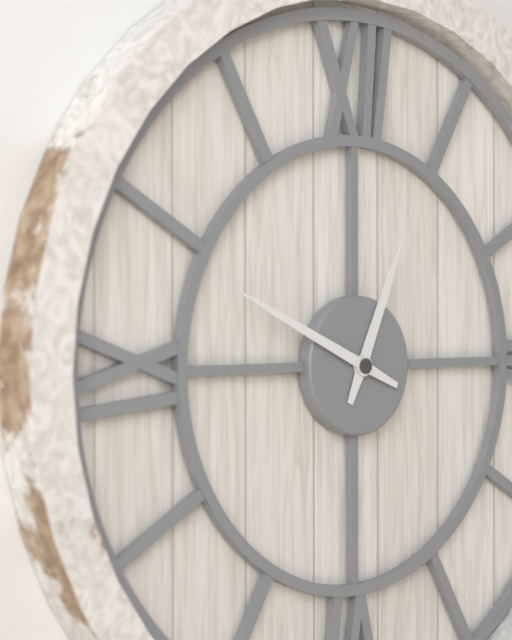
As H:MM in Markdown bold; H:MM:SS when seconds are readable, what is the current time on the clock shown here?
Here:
**12:49**
